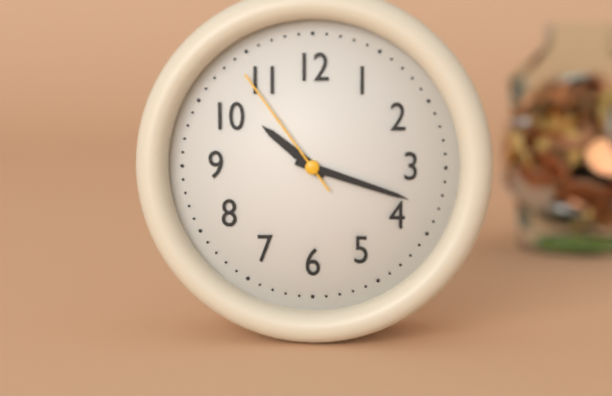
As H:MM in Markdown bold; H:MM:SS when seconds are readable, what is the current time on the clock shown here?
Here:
**10:18:54**
